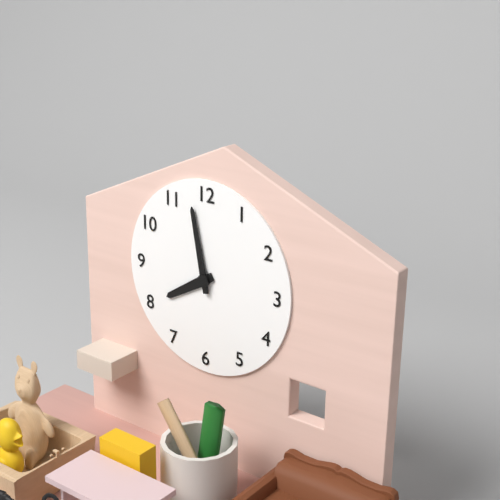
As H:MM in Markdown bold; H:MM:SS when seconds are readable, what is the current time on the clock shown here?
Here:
**7:58**
